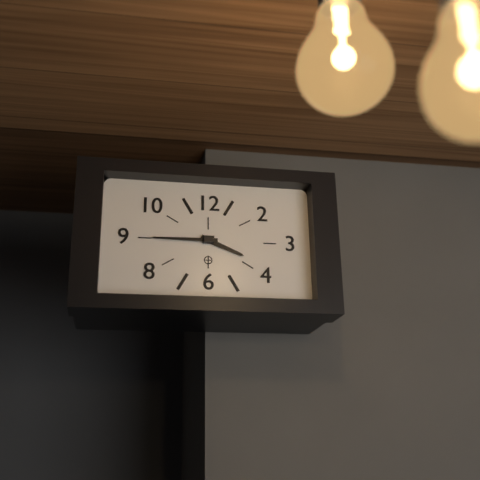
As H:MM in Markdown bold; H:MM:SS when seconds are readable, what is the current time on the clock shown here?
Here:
**3:45**
